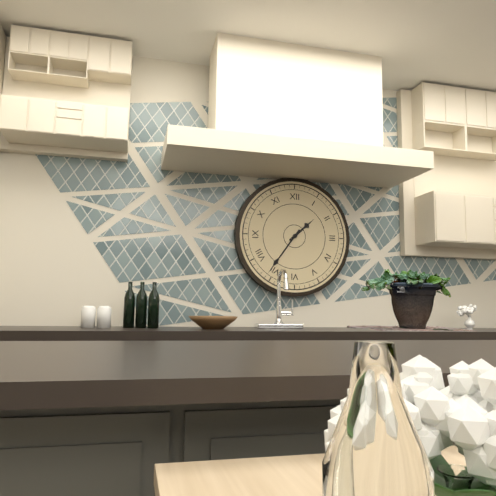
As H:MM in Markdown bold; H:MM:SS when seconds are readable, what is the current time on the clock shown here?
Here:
**1:36**
